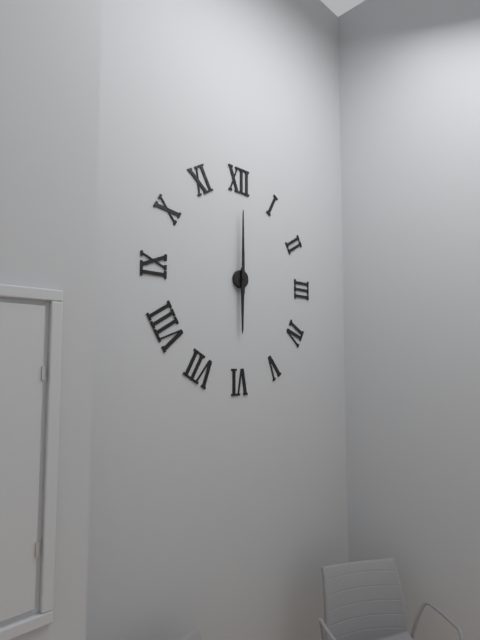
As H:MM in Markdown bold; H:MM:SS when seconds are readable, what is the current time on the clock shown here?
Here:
**6:00**
